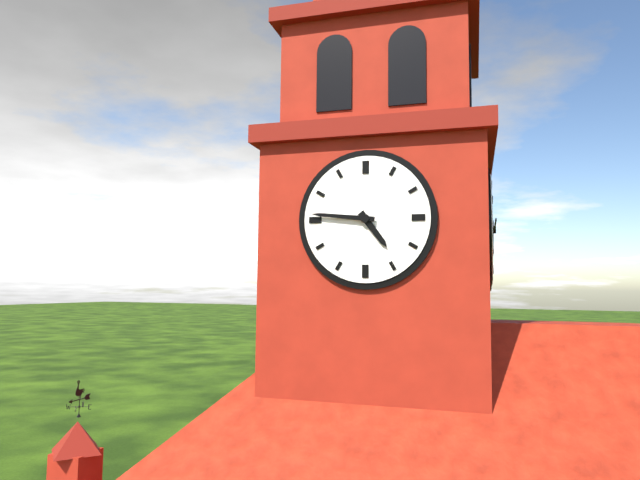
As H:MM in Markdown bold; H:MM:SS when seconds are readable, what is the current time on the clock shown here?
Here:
**4:46**
